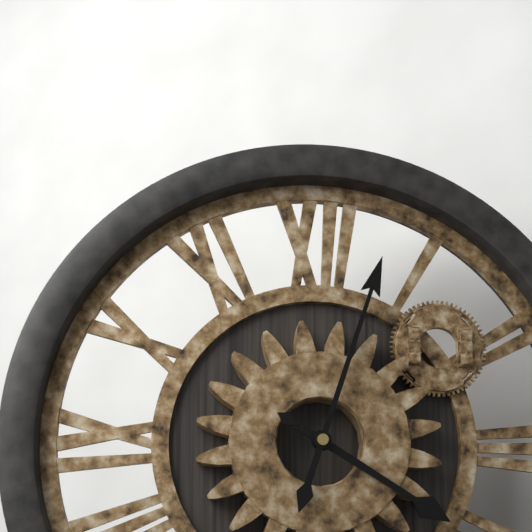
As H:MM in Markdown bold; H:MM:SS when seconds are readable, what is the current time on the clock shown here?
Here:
**4:03**
